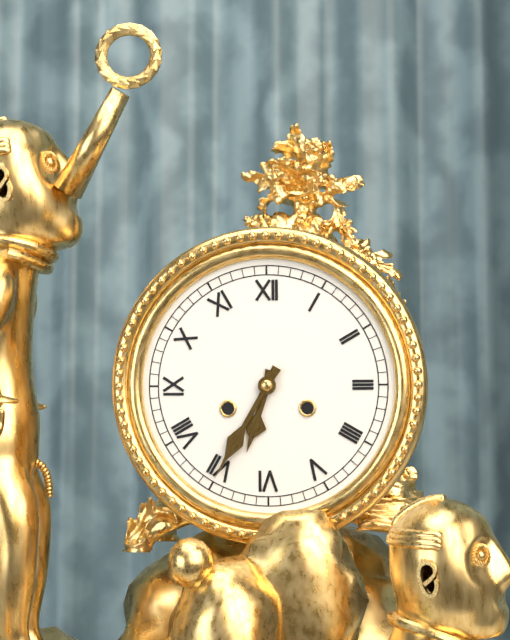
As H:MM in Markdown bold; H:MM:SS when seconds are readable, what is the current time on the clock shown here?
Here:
**6:35**
